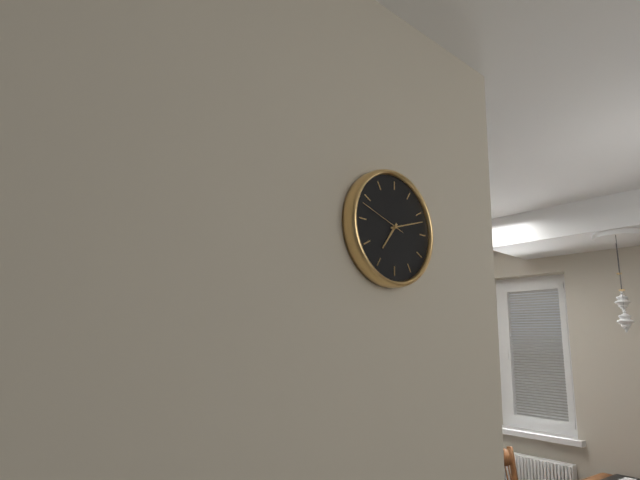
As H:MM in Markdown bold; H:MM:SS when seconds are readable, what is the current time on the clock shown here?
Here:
**7:12**
